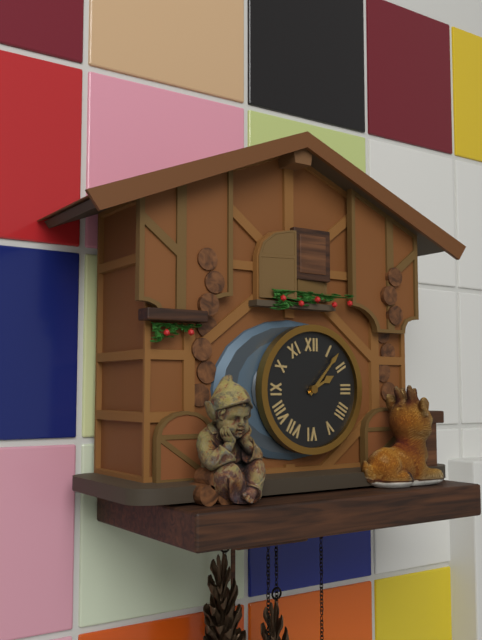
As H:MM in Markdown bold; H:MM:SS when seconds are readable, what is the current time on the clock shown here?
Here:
**2:07**
